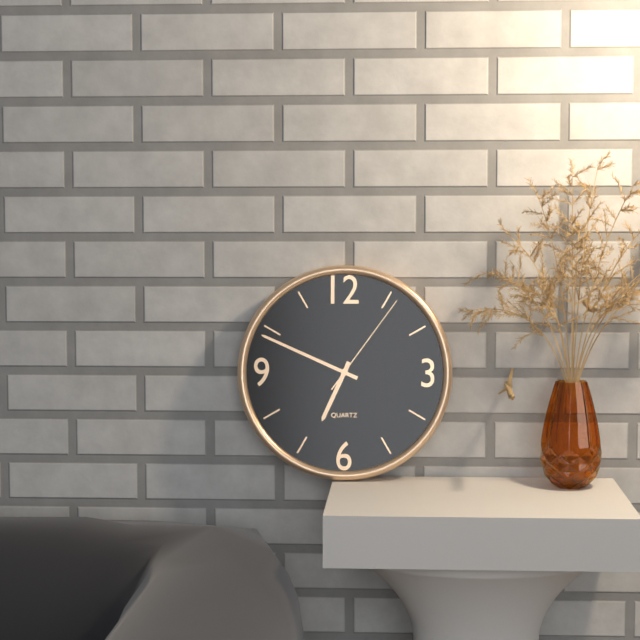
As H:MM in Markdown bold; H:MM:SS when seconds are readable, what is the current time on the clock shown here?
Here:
**6:49:06**
